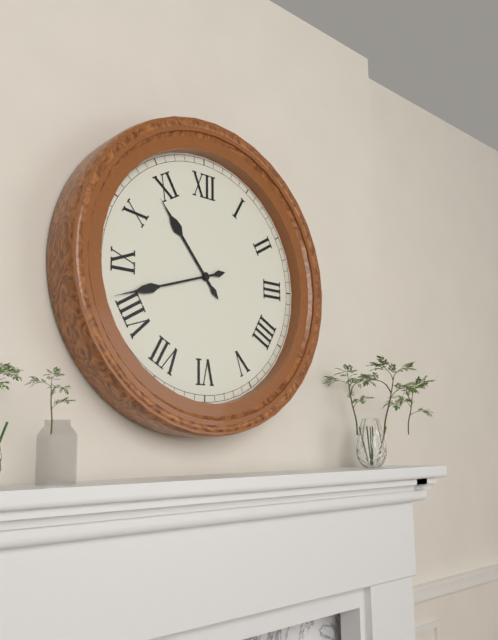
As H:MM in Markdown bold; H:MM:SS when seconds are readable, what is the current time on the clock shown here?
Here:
**10:42**
